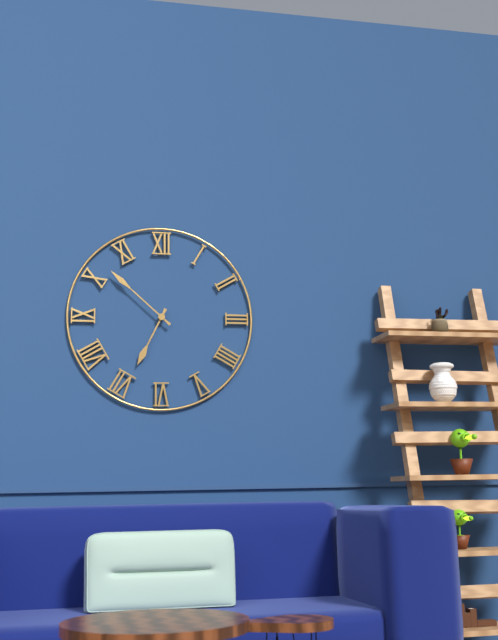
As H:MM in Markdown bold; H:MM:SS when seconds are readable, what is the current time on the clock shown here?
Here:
**6:52**
